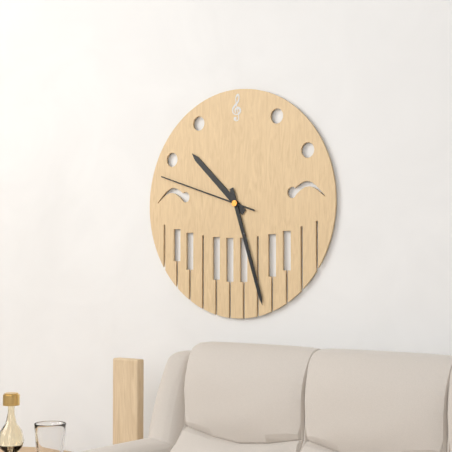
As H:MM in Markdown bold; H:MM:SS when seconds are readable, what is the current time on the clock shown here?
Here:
**10:27:48**
